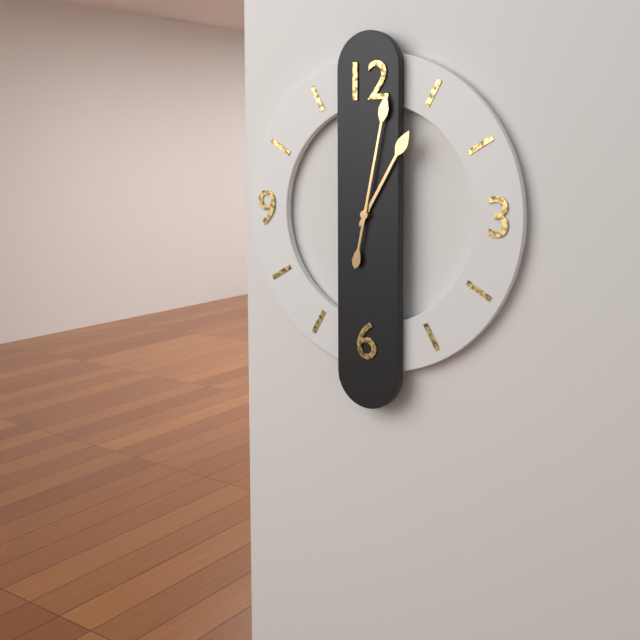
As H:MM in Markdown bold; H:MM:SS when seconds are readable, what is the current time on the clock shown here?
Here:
**1:02**
